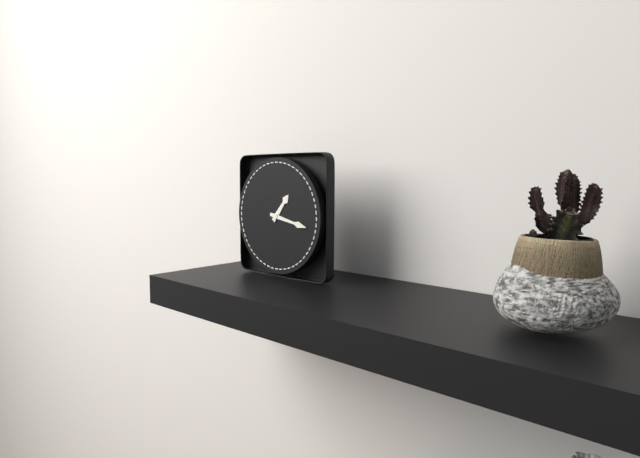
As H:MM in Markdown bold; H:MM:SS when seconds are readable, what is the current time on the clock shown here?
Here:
**1:17**
